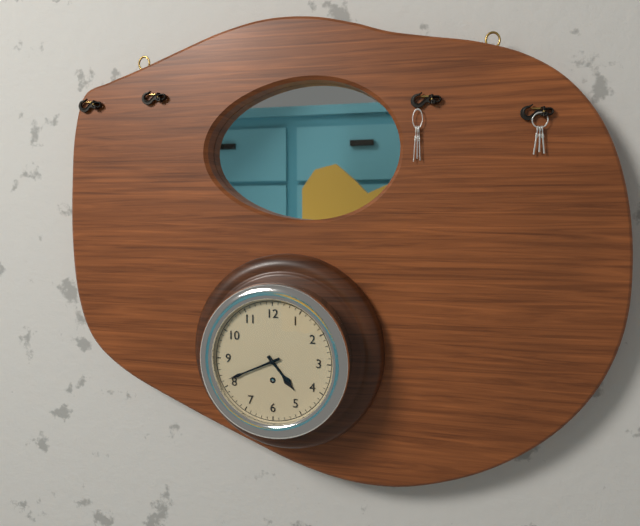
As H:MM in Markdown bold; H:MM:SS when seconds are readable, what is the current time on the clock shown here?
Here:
**4:41**
